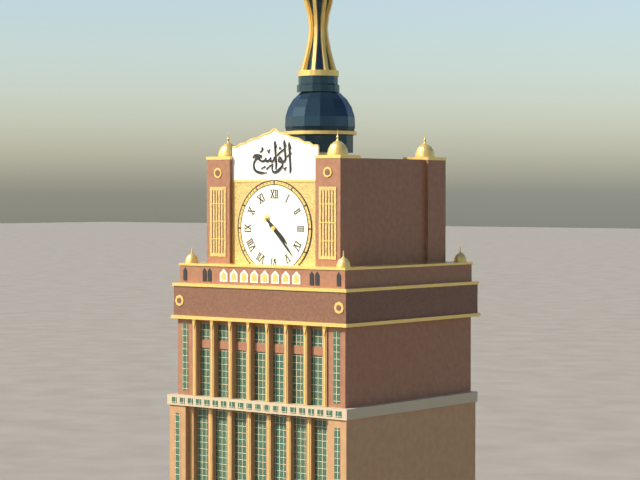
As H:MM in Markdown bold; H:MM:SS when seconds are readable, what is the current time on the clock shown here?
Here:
**4:23**
